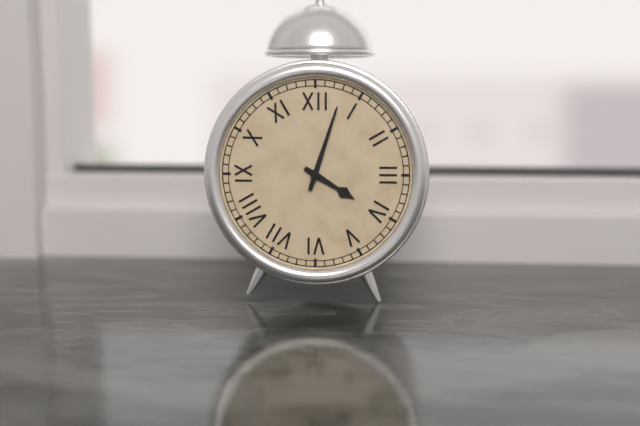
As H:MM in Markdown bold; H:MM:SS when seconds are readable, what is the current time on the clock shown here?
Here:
**4:03**
